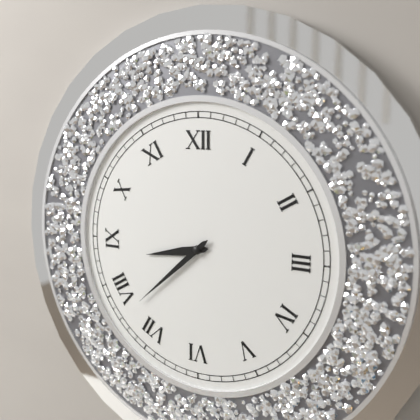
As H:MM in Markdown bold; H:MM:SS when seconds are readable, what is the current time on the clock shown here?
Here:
**8:38**
